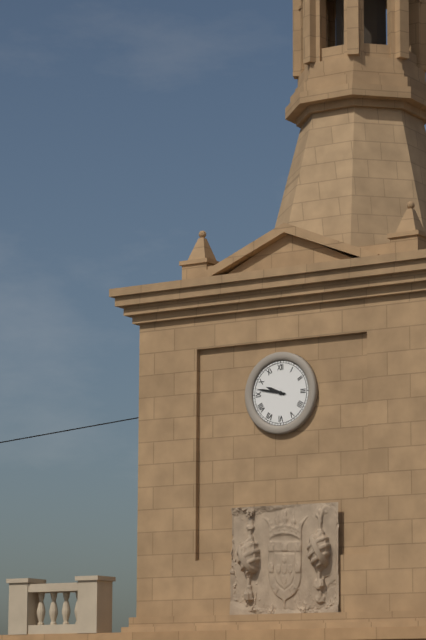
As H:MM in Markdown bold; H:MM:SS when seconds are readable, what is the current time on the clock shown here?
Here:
**9:47**
